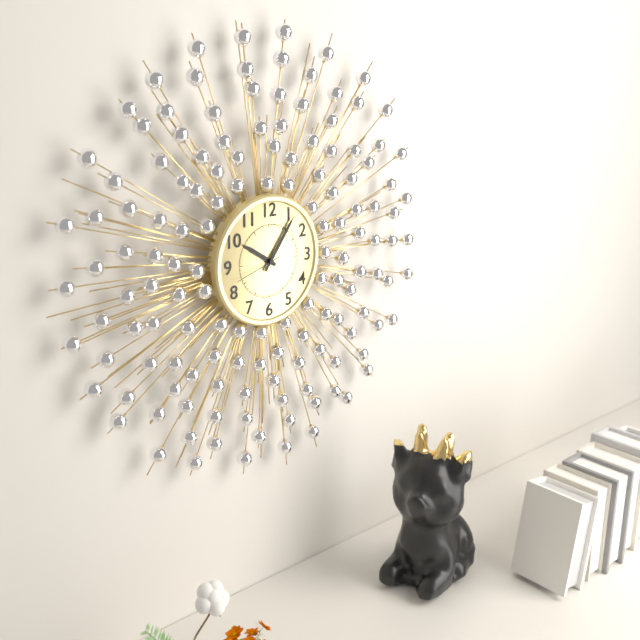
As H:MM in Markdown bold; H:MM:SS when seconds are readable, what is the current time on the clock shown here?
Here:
**10:06**
